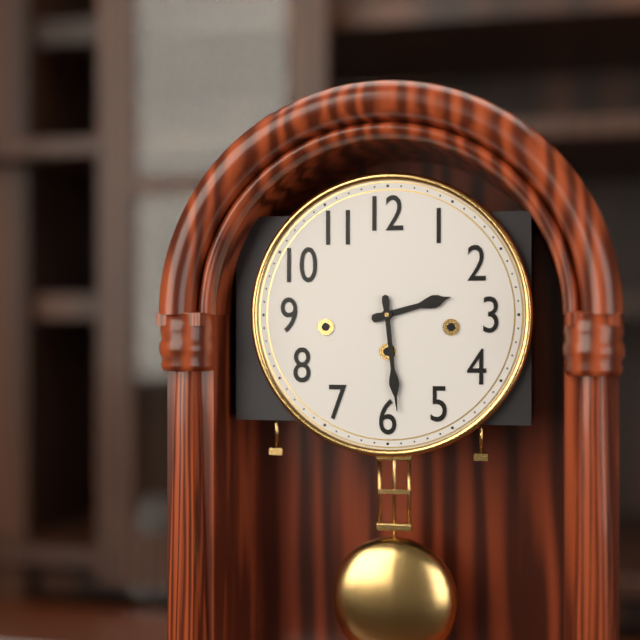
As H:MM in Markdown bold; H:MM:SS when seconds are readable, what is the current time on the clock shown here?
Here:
**2:29**
